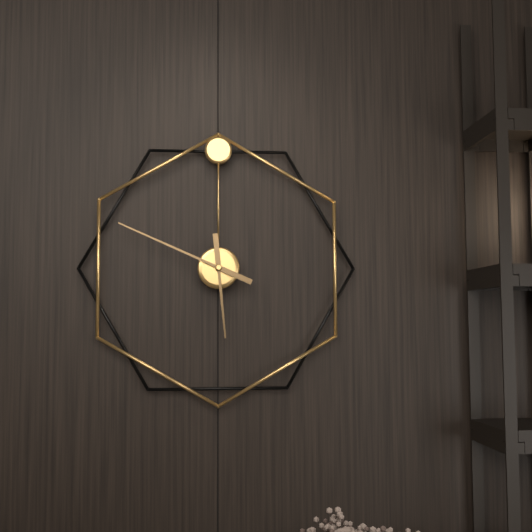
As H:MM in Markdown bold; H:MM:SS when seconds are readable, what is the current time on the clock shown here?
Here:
**5:49**
